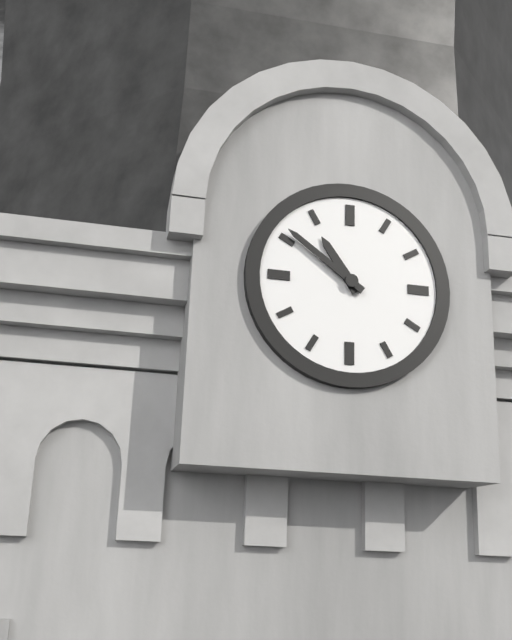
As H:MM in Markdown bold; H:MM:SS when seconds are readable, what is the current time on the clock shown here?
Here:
**10:51**
